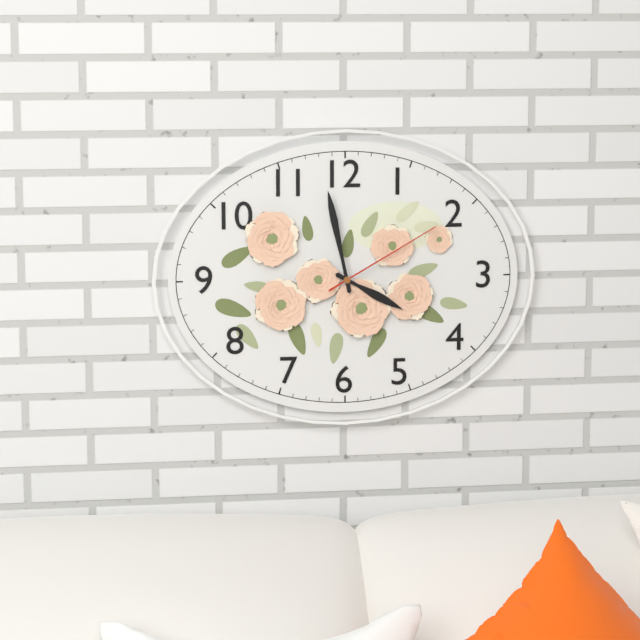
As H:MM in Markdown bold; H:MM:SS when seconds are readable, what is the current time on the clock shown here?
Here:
**3:58:10**
